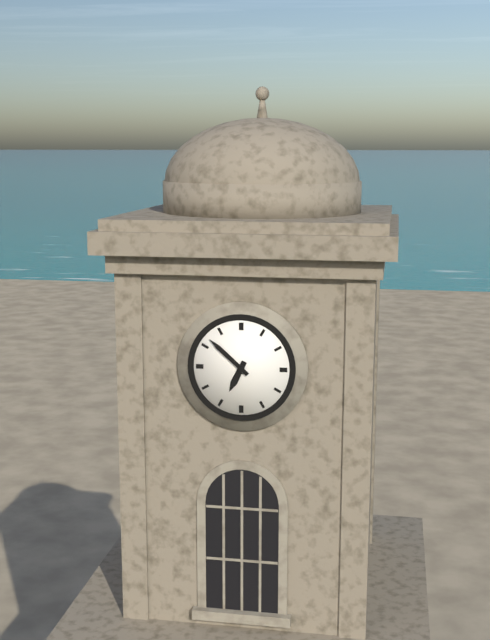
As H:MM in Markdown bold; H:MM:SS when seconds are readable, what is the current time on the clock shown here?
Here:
**6:52**
